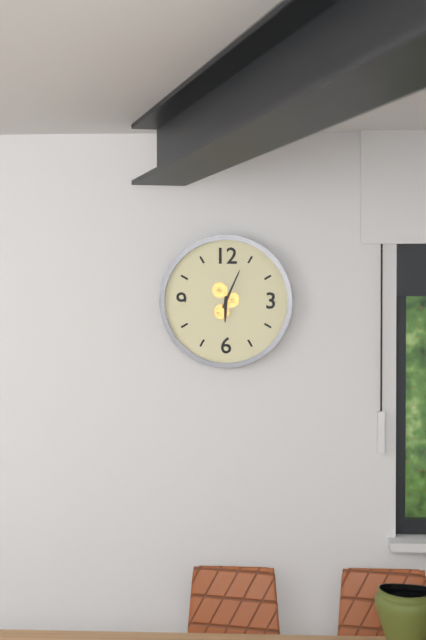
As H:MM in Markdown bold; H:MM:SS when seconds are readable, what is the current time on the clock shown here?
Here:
**6:04**
